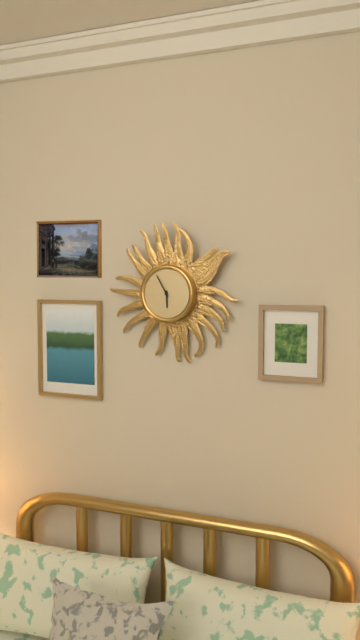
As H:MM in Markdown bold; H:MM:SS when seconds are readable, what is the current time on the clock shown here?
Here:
**5:55**
